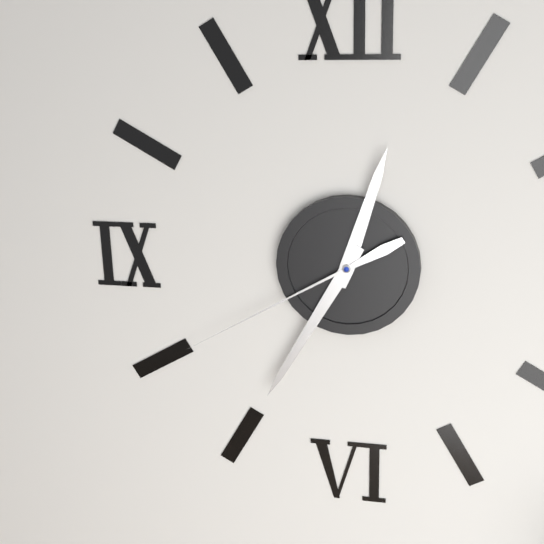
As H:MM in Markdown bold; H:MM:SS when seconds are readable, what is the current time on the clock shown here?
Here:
**12:35:40**
